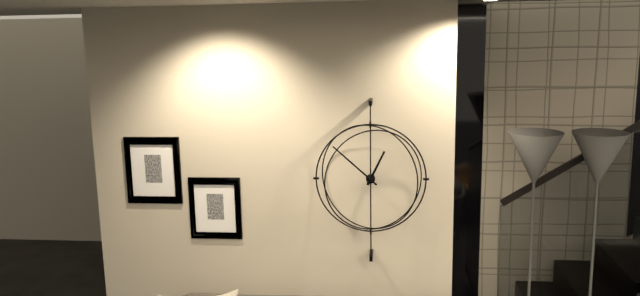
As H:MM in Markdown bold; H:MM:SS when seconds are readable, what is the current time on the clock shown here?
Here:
**12:52**
